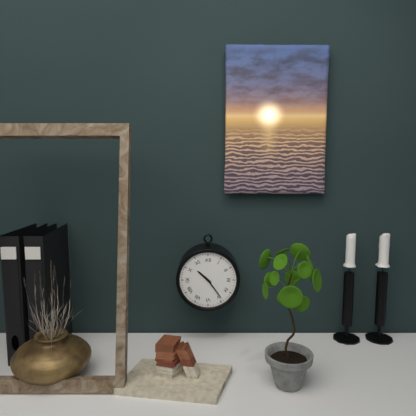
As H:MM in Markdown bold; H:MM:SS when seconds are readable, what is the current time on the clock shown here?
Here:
**10:24**
